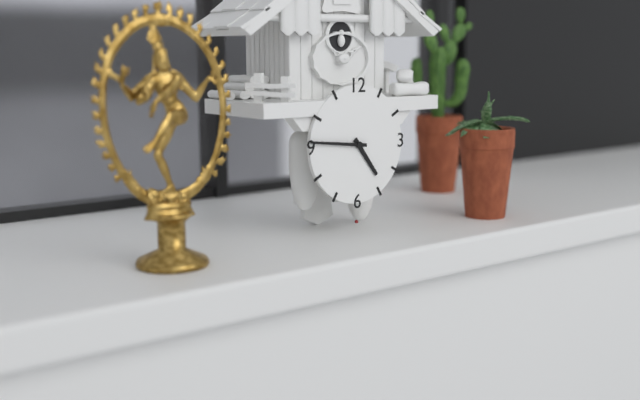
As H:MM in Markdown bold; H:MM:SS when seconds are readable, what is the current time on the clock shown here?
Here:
**4:46**
